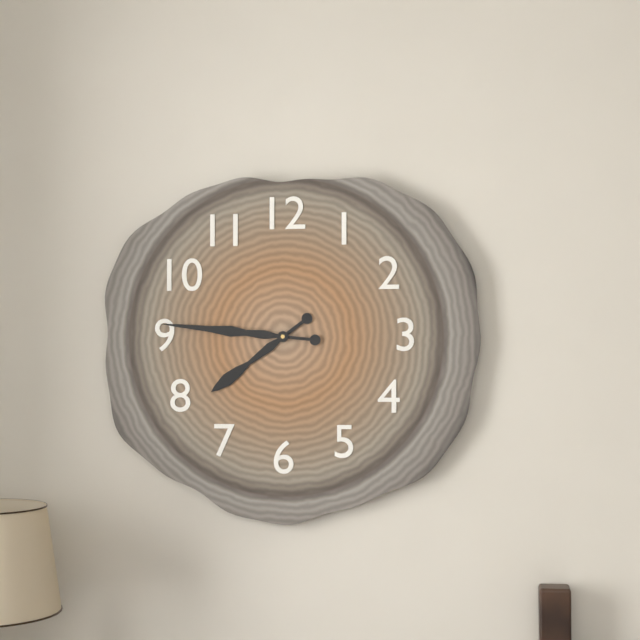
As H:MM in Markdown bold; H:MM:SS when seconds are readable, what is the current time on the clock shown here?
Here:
**7:46**
